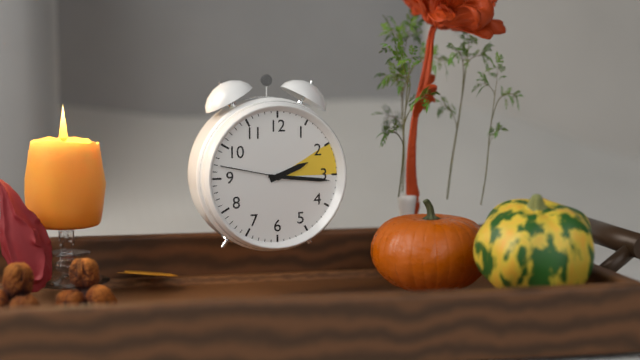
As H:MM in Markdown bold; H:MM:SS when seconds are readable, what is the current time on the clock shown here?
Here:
**2:16:47**
